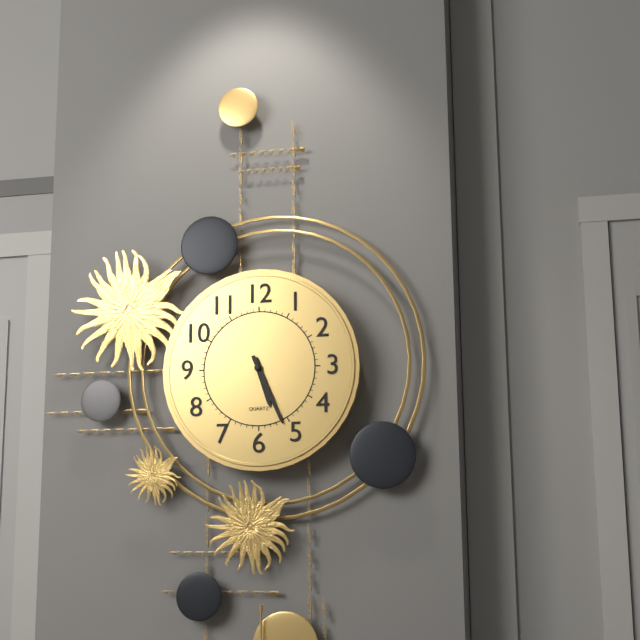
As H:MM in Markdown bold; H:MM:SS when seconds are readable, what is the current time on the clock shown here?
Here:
**5:26**
